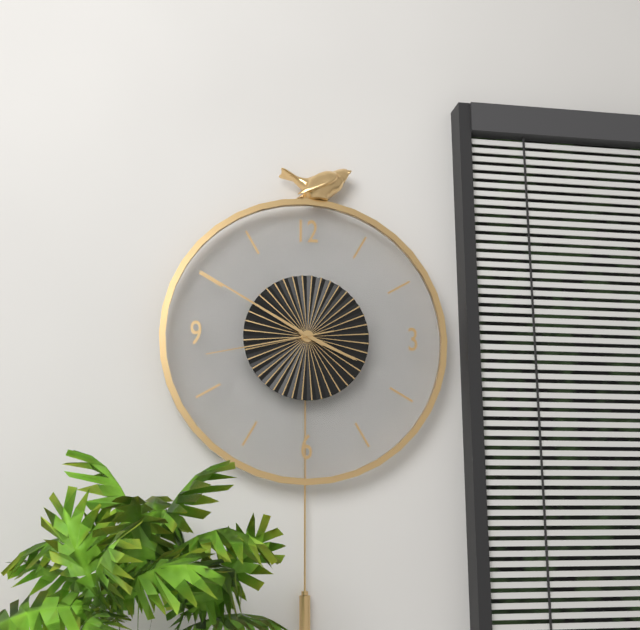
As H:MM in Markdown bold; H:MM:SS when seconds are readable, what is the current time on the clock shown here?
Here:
**3:50:43**
